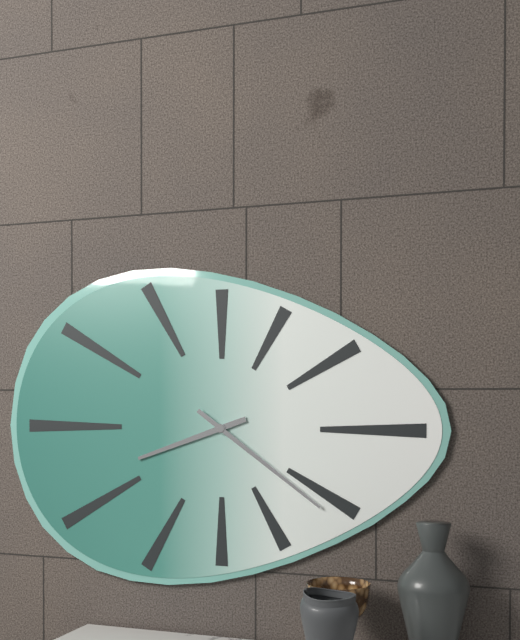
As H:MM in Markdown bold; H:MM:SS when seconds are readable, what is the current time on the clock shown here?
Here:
**8:21**
